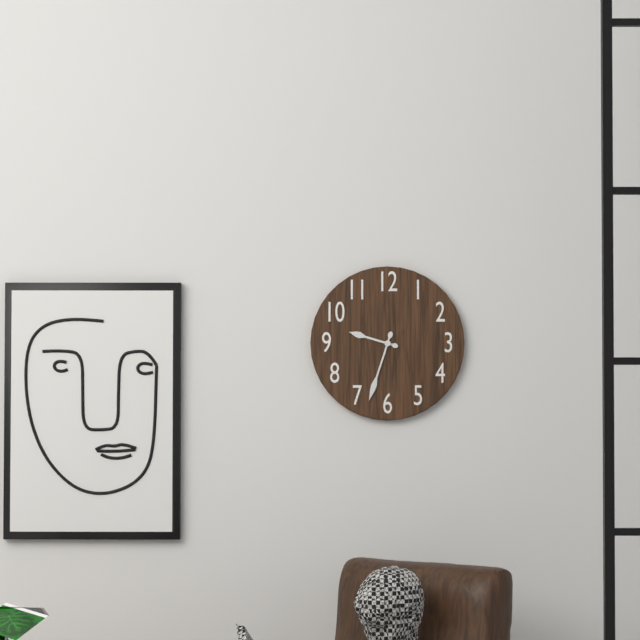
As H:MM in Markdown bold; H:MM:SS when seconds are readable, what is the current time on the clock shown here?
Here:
**9:33**
